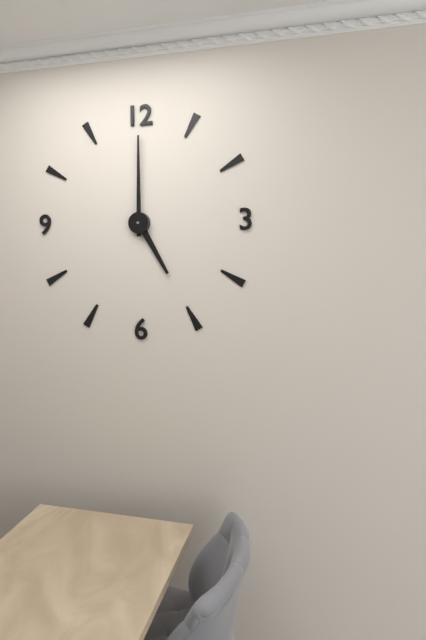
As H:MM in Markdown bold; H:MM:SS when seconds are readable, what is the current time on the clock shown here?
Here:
**5:00**
